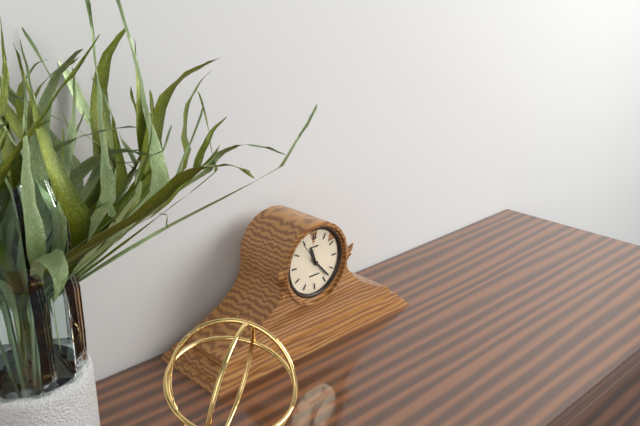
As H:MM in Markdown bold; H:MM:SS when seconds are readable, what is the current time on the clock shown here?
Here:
**11:23**
